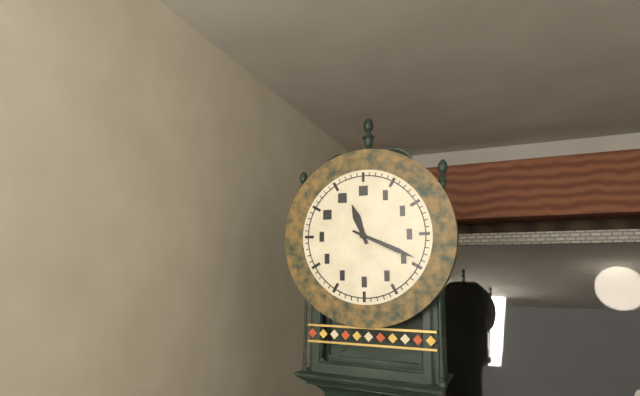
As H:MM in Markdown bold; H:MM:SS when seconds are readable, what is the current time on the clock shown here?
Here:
**11:19**
